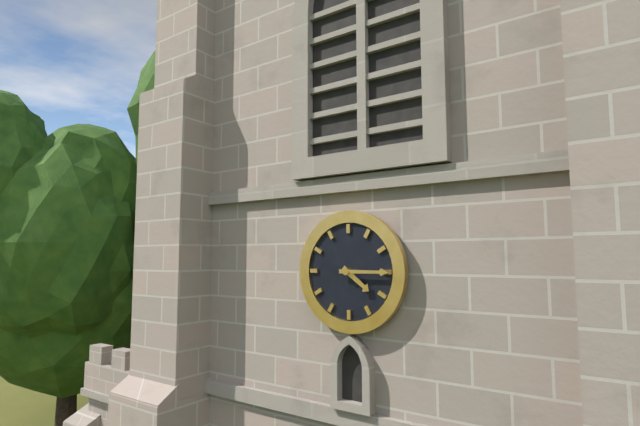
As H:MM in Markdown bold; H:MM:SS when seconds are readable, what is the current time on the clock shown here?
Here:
**4:15**
